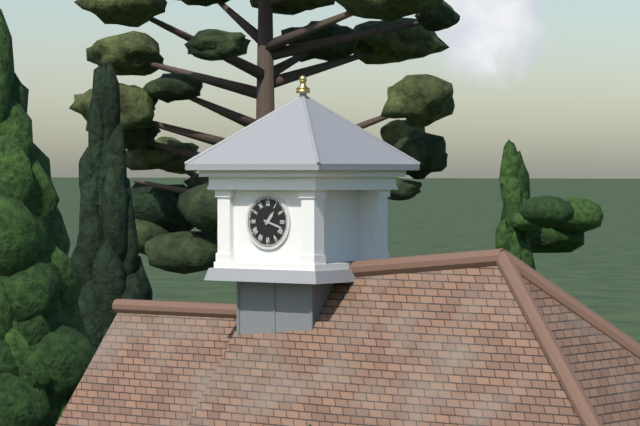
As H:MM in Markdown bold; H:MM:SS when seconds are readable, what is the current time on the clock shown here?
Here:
**1:18**
